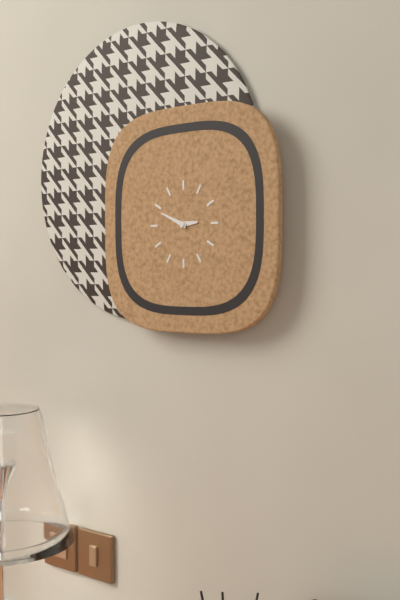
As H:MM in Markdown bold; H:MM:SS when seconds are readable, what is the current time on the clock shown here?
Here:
**2:49**
